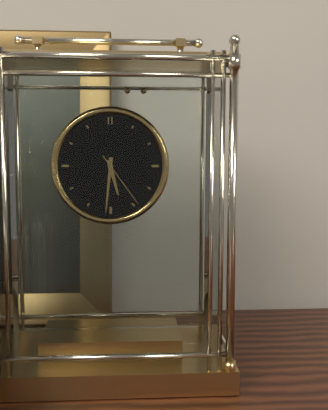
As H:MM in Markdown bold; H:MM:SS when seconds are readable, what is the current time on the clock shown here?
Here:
**5:31:24**
